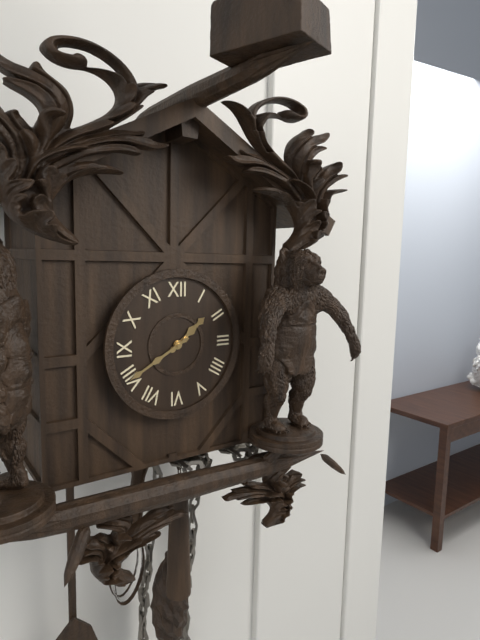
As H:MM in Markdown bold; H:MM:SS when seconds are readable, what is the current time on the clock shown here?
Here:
**1:40**
